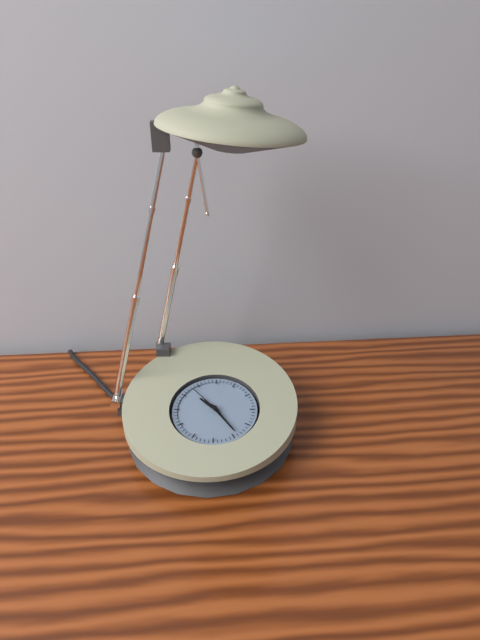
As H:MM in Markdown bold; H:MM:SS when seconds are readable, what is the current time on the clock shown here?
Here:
**10:24**
